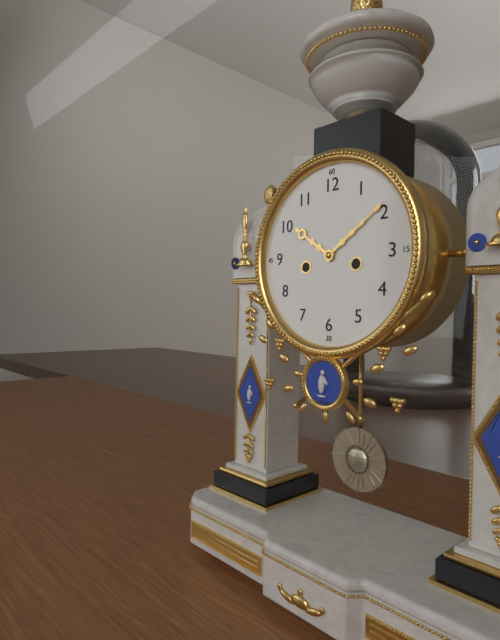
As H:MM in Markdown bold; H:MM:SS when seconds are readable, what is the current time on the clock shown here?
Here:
**10:09**
